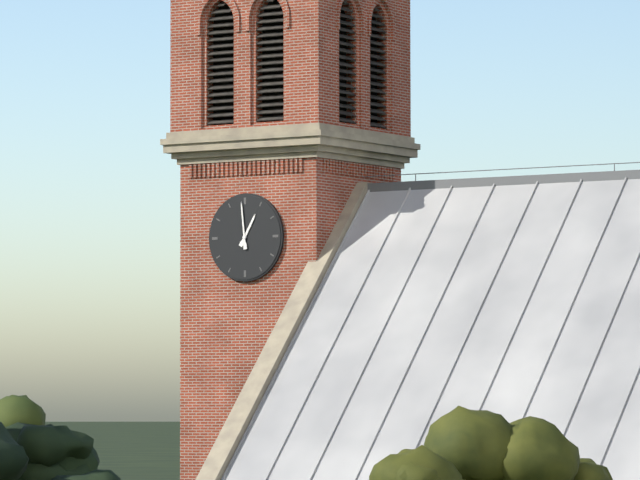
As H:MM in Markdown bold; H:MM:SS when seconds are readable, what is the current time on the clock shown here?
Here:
**12:59**
